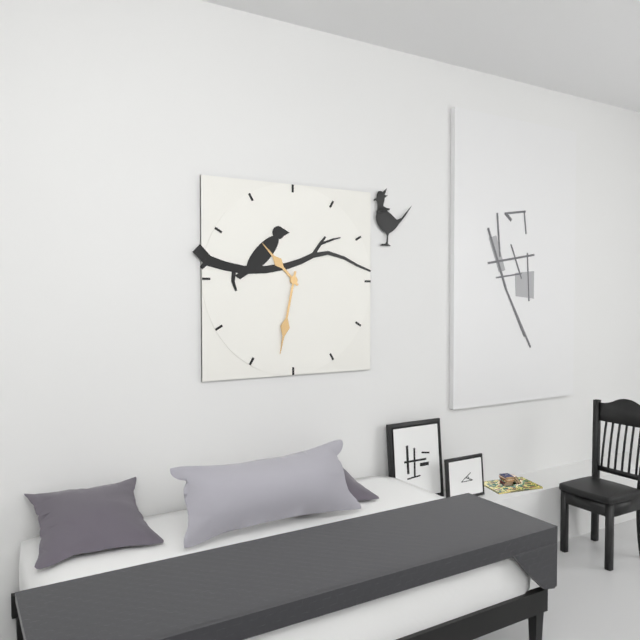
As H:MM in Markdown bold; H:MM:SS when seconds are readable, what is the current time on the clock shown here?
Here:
**10:32**
